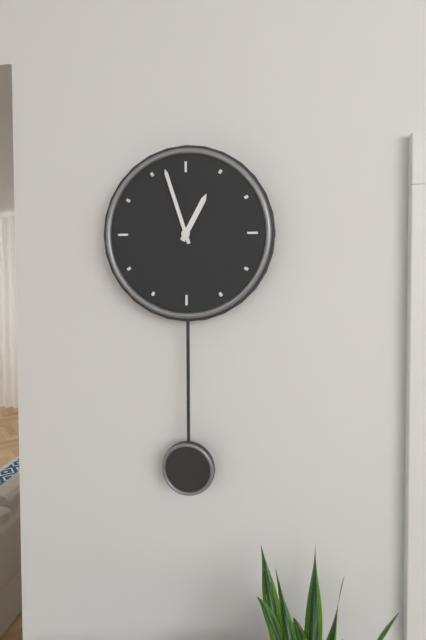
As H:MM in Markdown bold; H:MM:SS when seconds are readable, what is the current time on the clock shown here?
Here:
**12:57**
